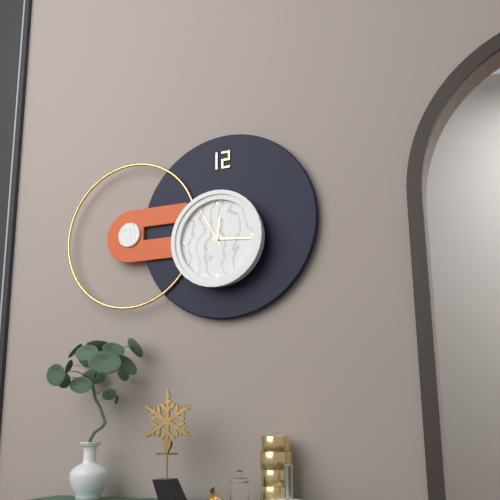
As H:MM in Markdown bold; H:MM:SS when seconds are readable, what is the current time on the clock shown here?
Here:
**12:16**
